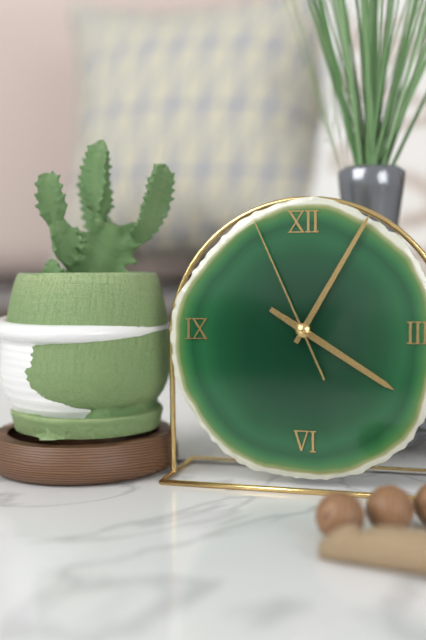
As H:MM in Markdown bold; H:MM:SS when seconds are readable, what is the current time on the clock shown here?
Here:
**4:05:56**
